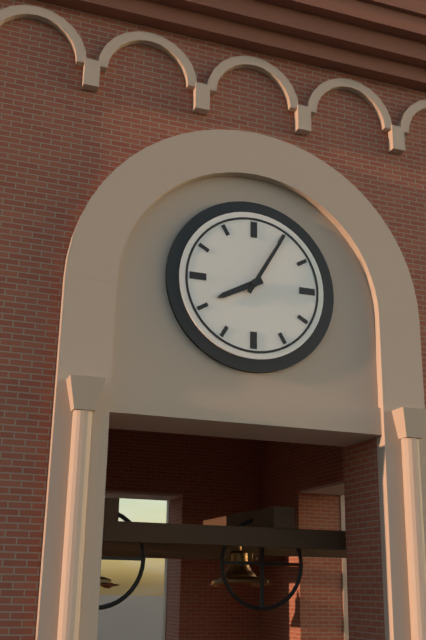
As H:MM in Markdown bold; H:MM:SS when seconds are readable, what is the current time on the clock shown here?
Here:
**8:05**
